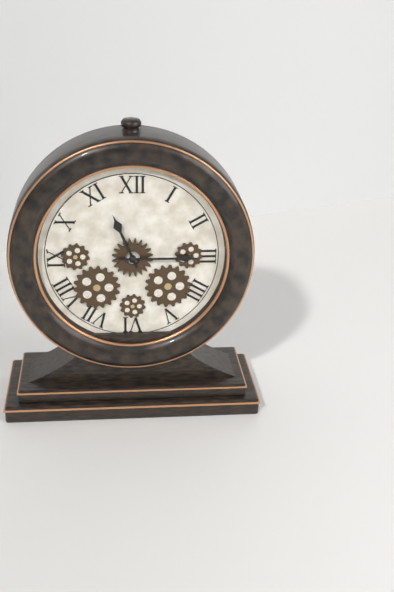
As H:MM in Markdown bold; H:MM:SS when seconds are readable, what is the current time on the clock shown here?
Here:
**11:15**
